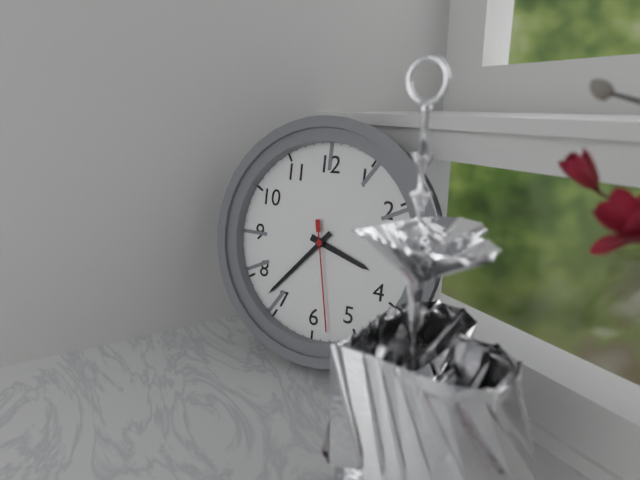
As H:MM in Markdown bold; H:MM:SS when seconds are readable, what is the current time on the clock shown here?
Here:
**3:37:28**
